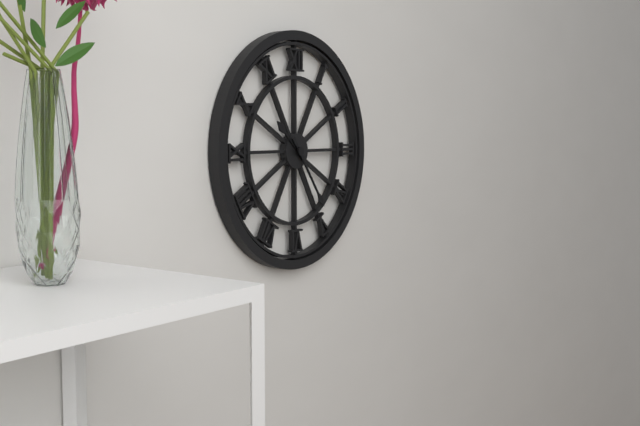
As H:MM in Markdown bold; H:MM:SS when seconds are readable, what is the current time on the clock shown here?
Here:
**10:24**
